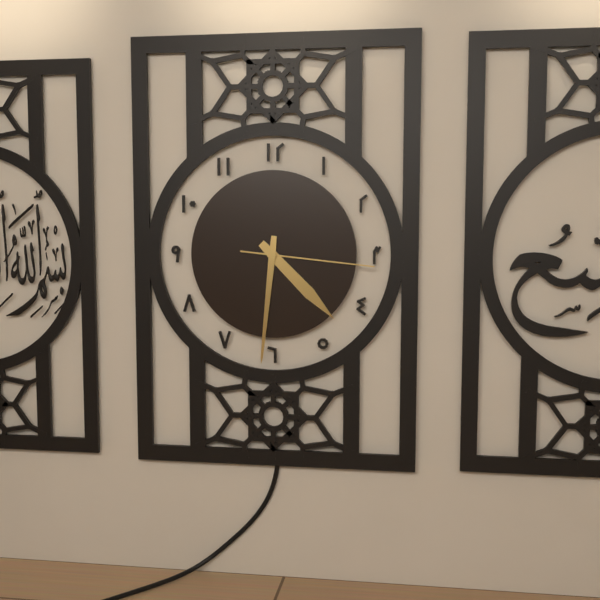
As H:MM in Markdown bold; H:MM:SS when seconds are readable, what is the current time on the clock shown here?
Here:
**4:31:16**
